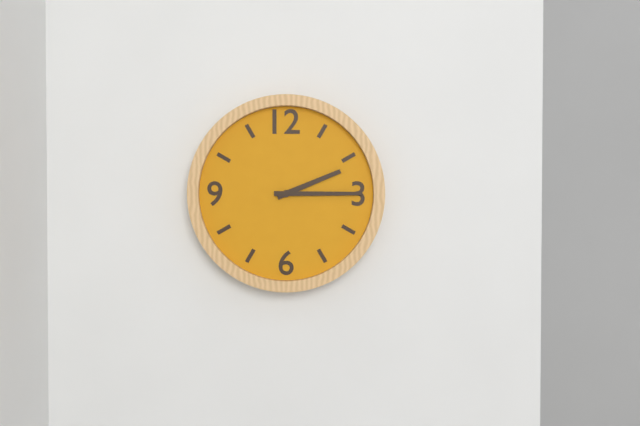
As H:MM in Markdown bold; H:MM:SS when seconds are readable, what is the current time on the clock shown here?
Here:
**2:15**
